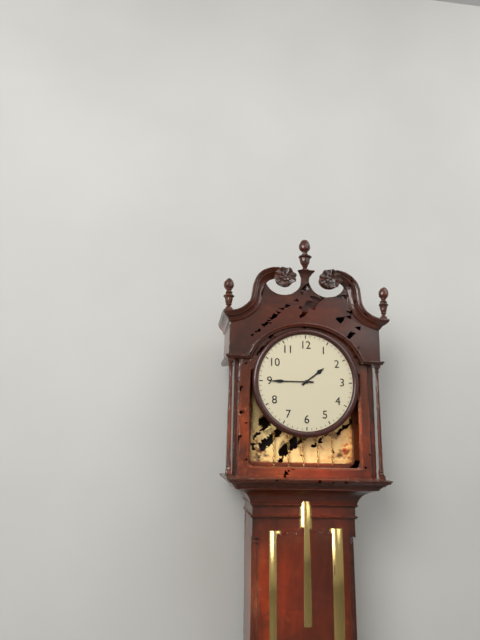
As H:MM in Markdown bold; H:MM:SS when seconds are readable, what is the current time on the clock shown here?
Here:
**1:45**
